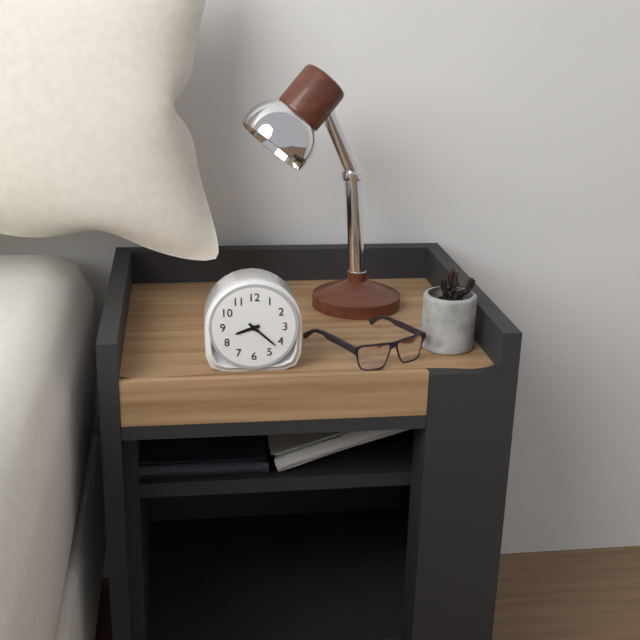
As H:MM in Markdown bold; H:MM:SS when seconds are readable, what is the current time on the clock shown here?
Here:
**8:22**
